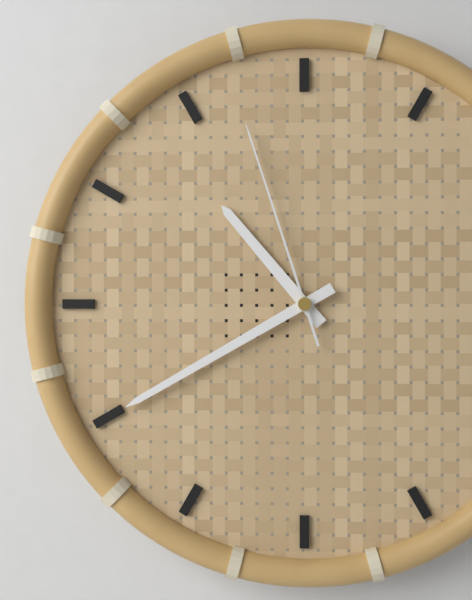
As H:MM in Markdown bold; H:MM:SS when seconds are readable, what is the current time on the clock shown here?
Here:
**10:40:57**
